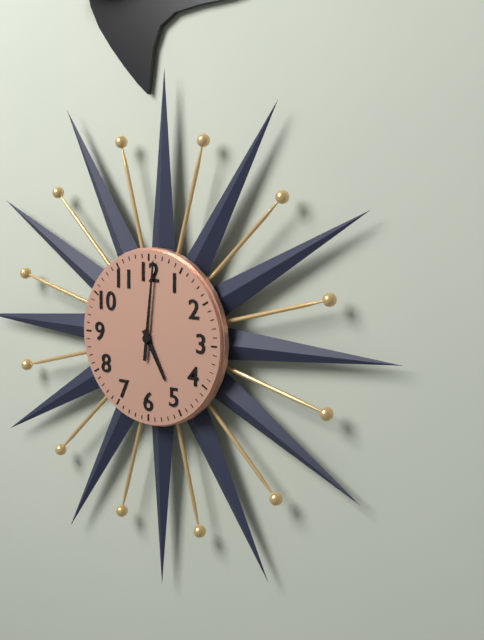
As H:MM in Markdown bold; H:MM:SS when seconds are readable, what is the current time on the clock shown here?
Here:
**5:01**
